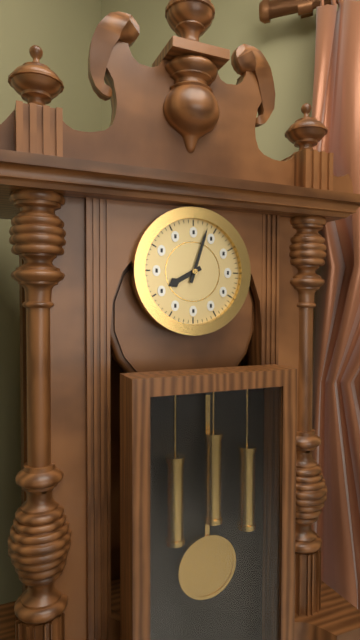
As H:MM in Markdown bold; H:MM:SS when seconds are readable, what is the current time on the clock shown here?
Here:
**8:03**
